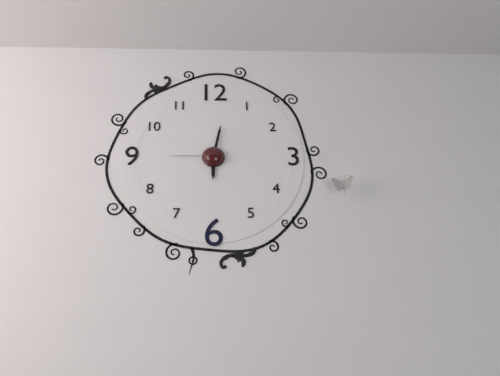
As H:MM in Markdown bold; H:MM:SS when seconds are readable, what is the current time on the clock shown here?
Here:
**6:02:45**
